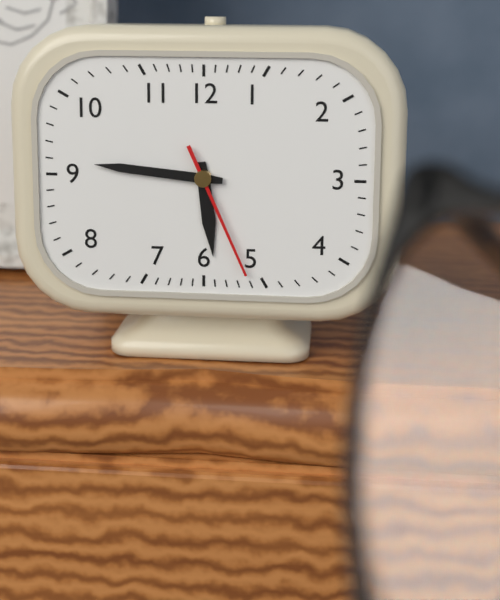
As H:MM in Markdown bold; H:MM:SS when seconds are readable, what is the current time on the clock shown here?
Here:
**5:46:26**
